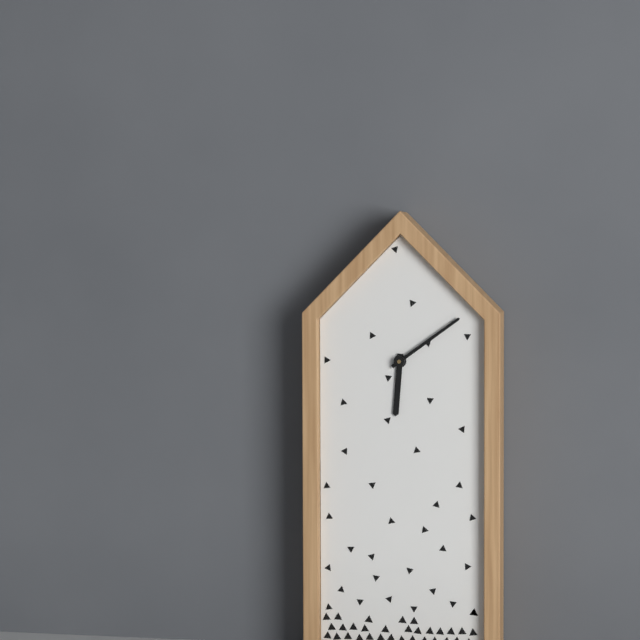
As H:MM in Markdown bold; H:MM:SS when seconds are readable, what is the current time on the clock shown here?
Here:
**6:09**
